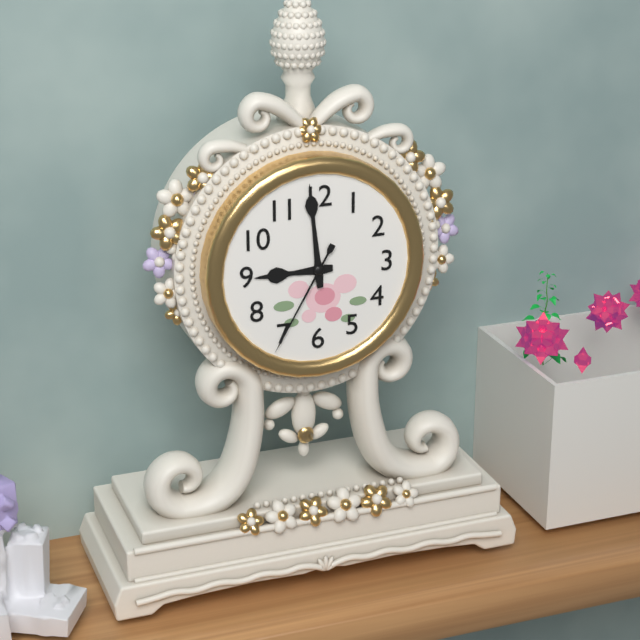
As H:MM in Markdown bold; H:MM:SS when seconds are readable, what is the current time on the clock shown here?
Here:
**8:59:35**
